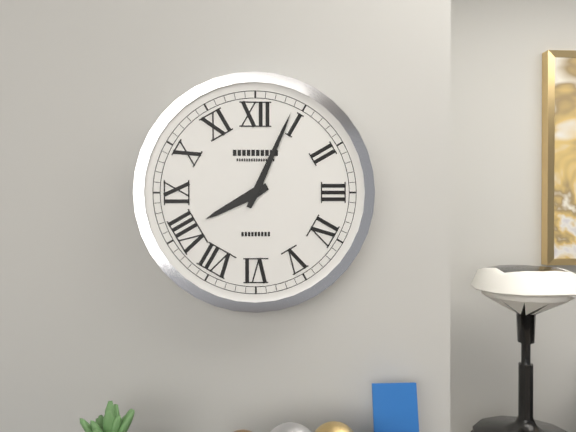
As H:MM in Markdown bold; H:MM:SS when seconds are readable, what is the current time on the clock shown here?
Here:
**8:04**
